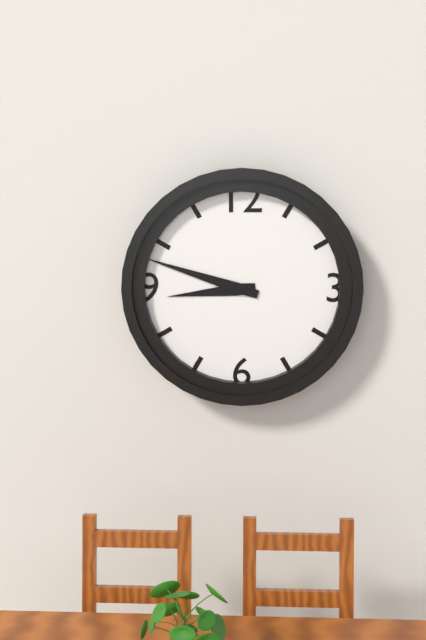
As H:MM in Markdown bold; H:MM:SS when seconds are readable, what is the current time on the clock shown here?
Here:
**8:48**
